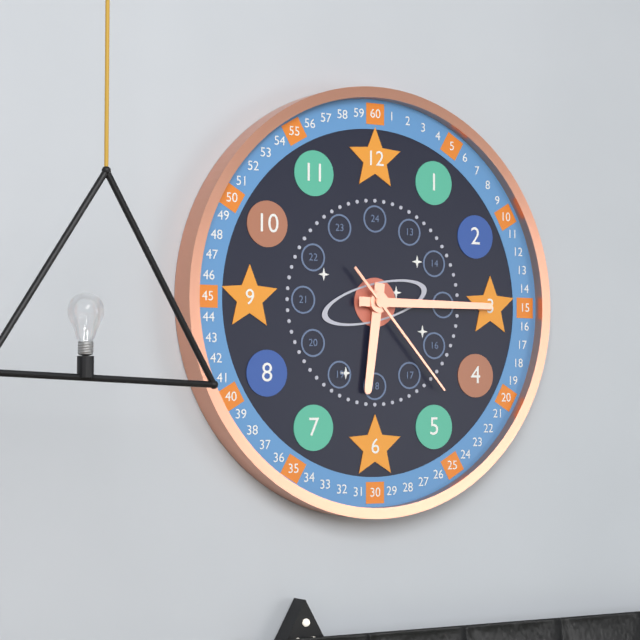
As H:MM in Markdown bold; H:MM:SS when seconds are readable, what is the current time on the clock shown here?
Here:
**6:15:23**
